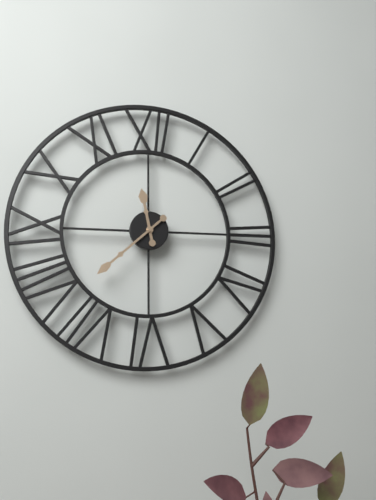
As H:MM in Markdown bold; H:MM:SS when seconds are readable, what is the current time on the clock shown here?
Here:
**11:38**
